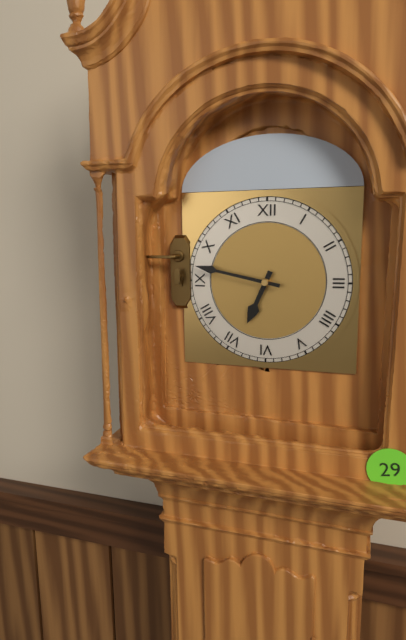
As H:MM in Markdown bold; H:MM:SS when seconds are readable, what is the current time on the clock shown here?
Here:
**6:47**
